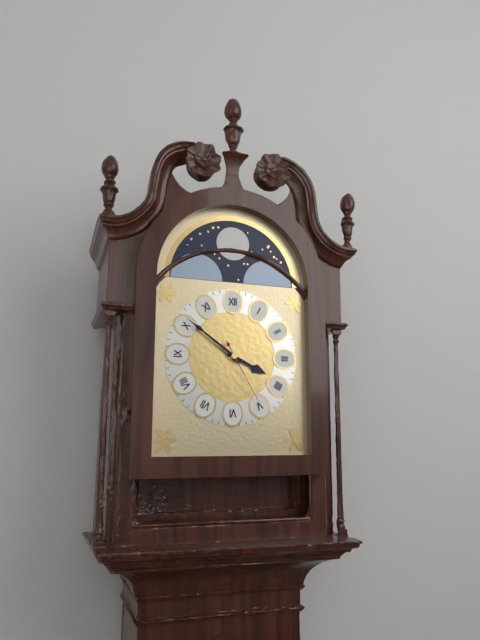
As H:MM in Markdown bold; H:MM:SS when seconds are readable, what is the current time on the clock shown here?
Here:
**3:51:25**
